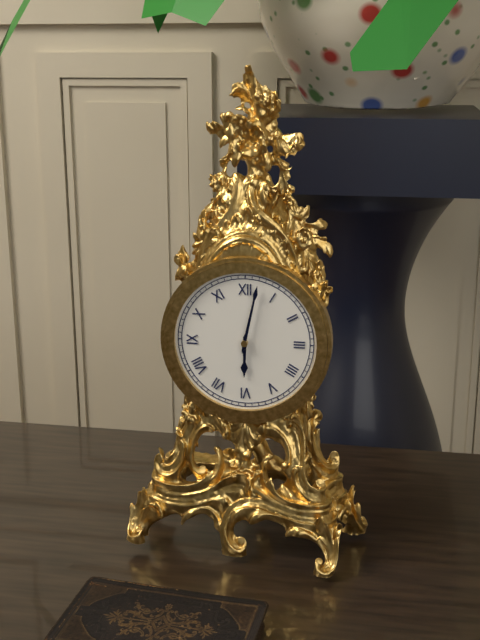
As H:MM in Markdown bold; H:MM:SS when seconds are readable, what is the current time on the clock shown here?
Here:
**6:02**
